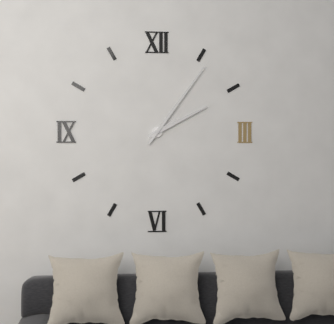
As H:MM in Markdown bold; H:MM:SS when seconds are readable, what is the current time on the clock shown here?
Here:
**2:06**
